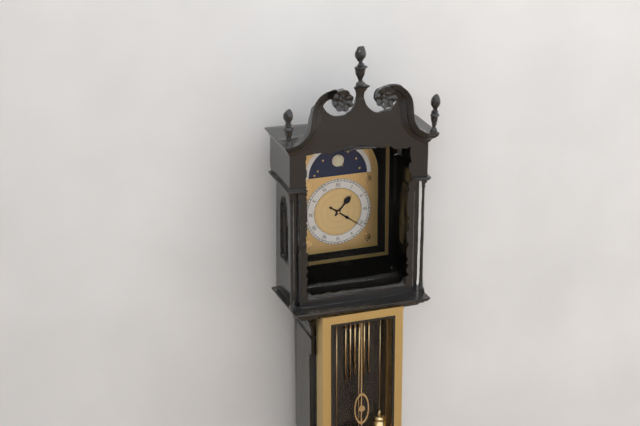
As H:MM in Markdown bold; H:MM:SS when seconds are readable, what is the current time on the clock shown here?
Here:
**1:21**
